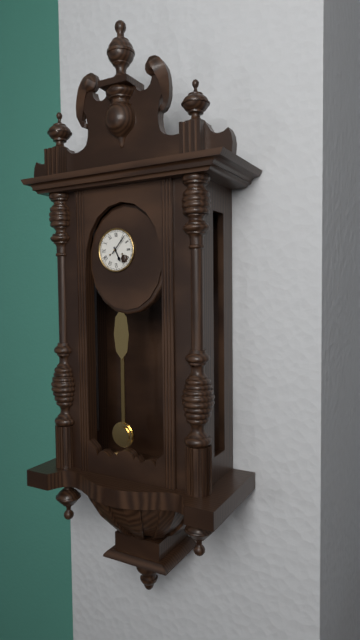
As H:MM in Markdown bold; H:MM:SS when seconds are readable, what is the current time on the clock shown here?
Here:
**5:07**
